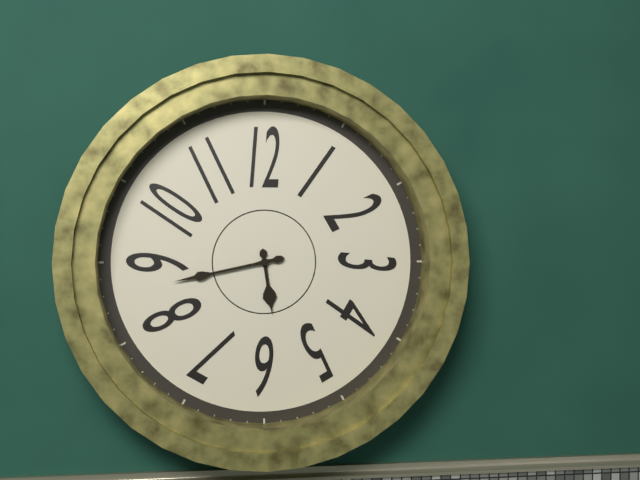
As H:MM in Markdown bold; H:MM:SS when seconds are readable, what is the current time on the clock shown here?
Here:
**5:43**
